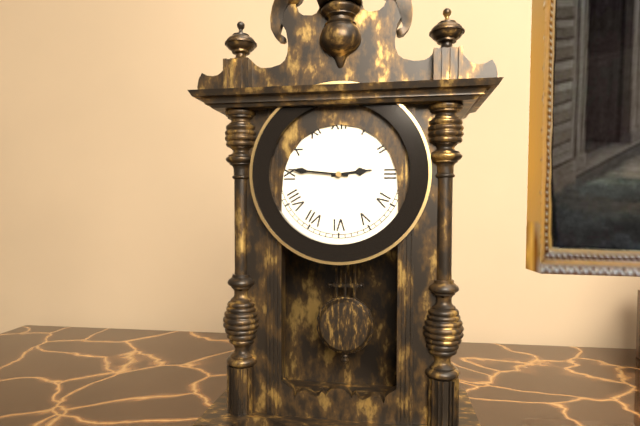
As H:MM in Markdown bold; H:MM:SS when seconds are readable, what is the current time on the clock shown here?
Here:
**2:46**
